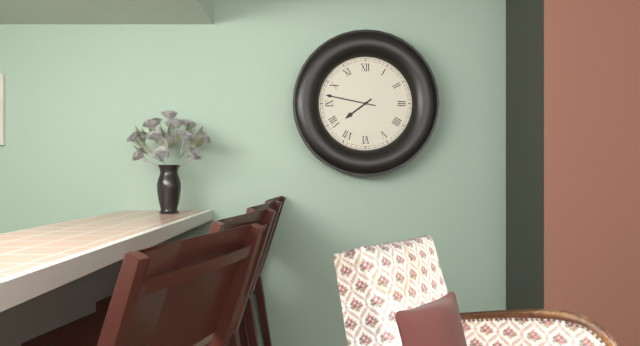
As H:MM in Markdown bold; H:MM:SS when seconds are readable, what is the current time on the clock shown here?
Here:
**7:47**
